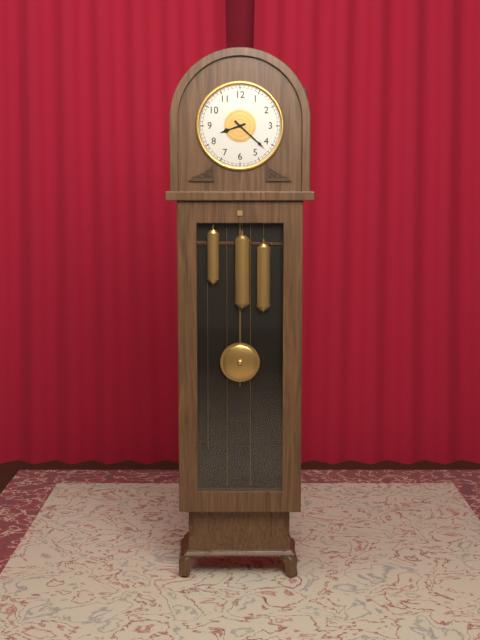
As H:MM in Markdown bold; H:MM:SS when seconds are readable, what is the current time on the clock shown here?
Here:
**8:22**
